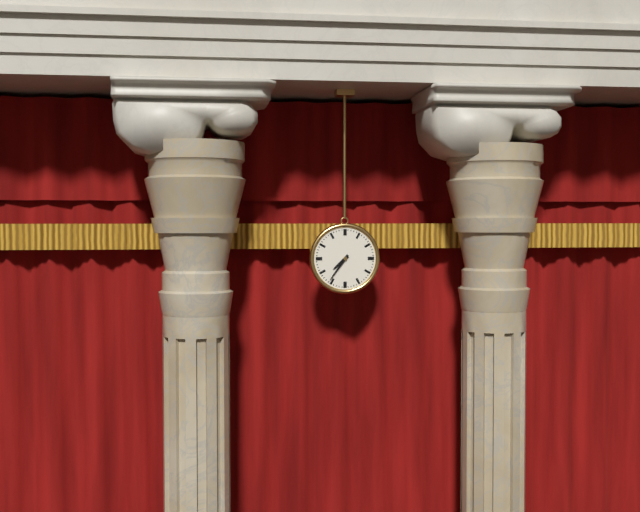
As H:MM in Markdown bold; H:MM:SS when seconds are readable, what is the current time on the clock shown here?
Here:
**7:36**
